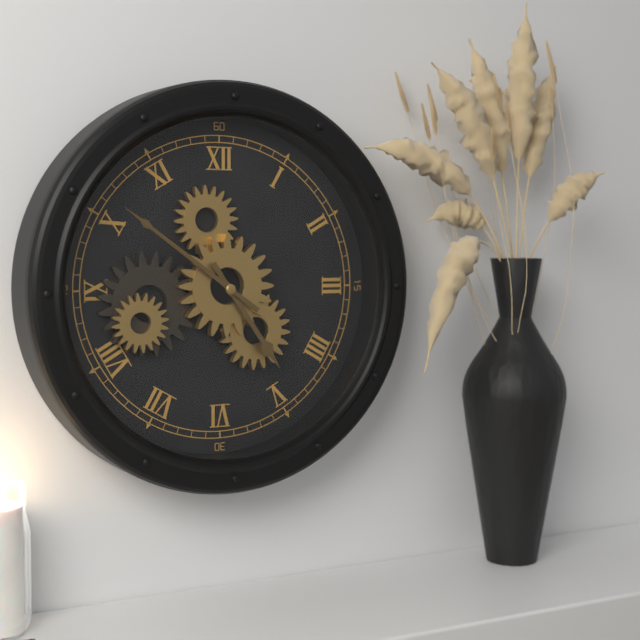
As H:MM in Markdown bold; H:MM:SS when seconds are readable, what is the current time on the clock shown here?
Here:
**4:51**
